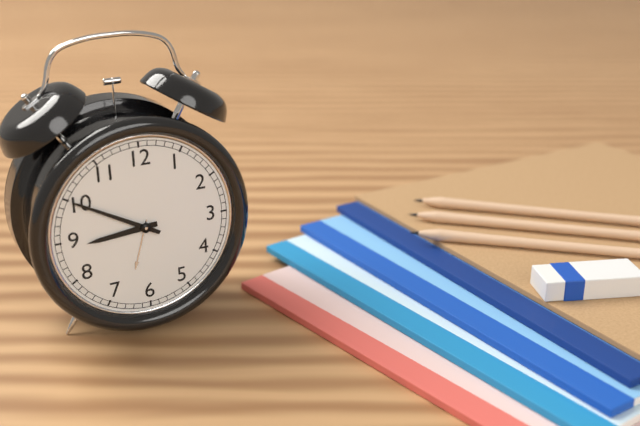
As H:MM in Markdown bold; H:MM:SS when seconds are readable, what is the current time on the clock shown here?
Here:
**8:50**
